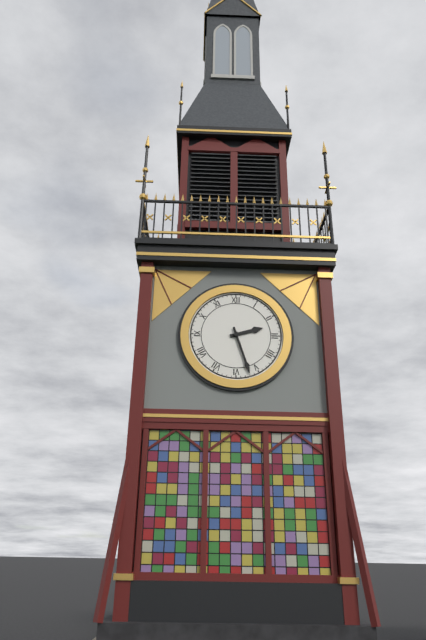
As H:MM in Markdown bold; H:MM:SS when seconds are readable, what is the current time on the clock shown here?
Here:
**2:27**
